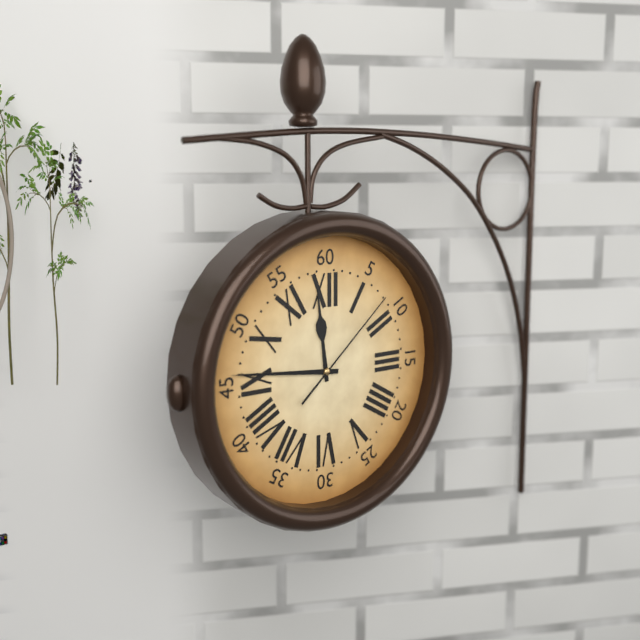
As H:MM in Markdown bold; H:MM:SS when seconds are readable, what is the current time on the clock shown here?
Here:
**11:46:08**
